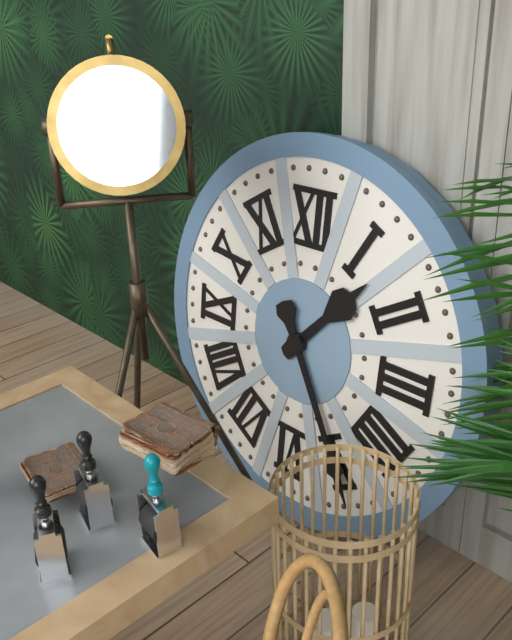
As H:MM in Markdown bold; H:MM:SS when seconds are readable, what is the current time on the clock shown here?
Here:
**1:25**
